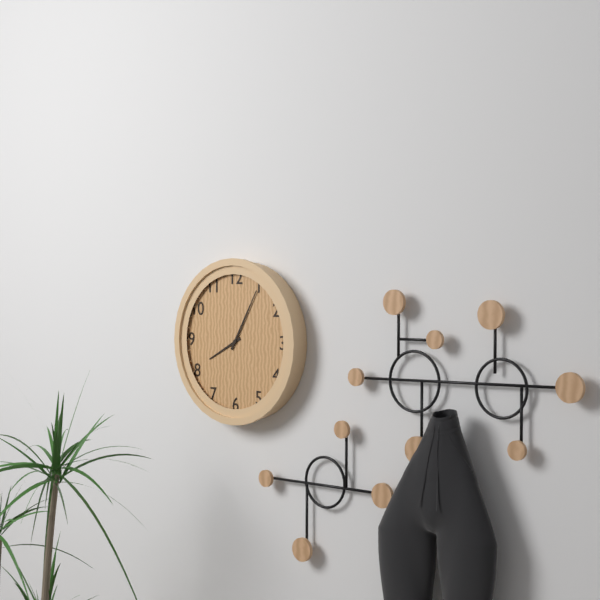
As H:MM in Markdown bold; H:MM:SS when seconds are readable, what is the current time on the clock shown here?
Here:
**8:05**
